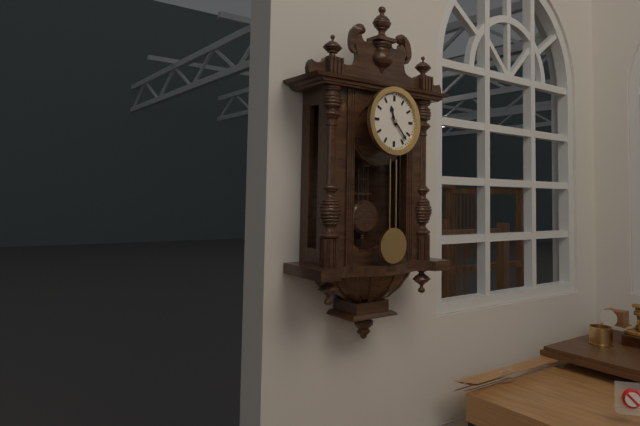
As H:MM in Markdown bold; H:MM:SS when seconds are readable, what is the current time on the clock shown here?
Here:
**11:23**
